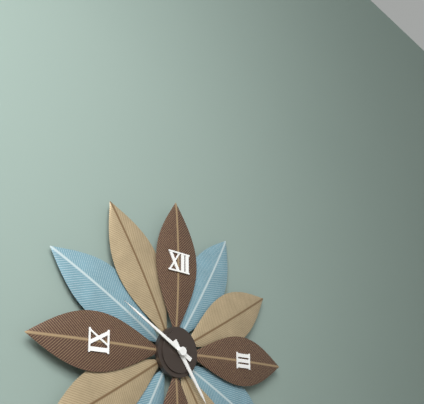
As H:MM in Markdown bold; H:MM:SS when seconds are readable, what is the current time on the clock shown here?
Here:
**4:50**
